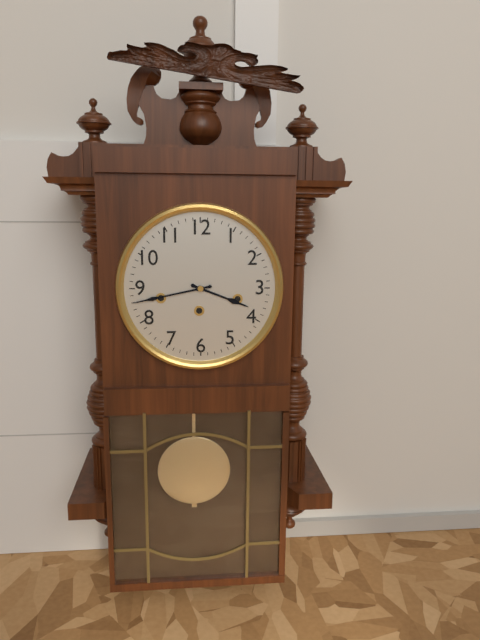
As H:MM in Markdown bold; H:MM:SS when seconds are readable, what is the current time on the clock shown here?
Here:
**3:43**
